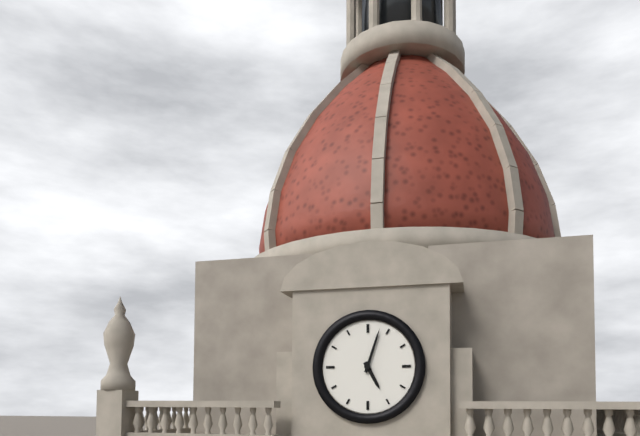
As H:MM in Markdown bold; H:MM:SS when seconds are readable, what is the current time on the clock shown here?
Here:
**5:03**
